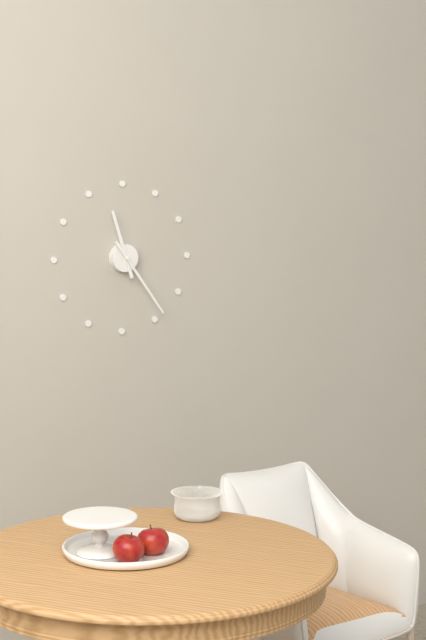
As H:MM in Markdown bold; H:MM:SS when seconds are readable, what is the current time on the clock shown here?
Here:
**11:24**
